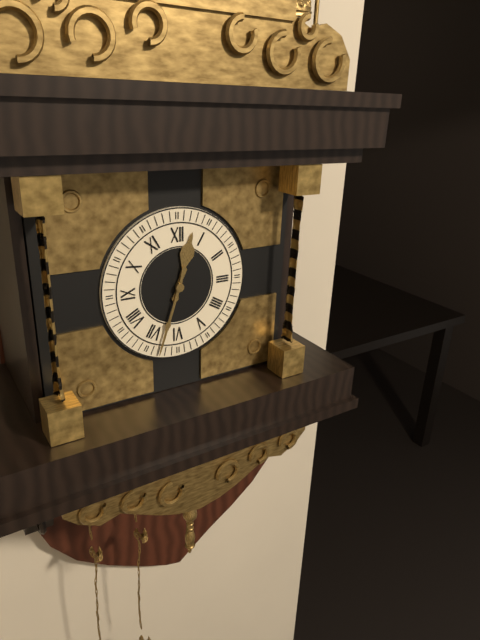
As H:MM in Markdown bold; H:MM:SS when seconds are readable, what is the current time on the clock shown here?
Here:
**12:33**
